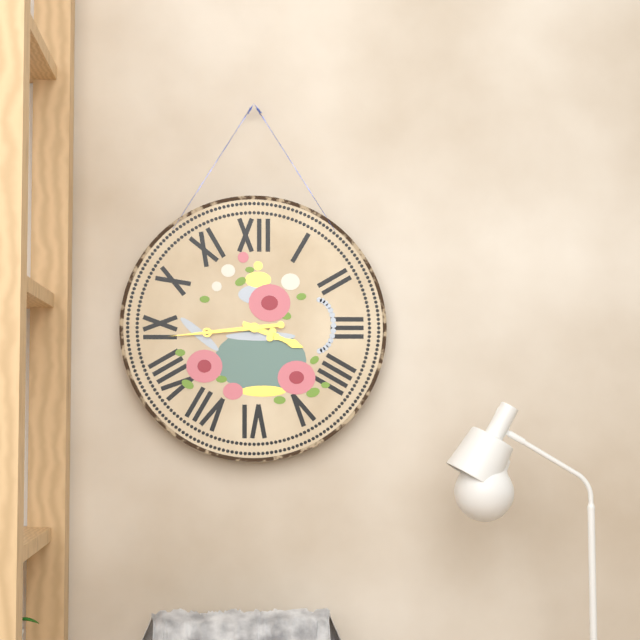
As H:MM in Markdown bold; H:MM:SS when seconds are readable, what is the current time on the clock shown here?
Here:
**3:44**
